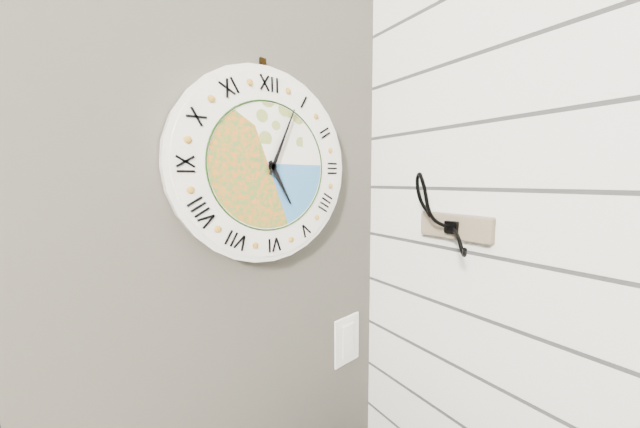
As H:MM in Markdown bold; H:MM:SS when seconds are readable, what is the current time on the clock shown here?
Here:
**5:04**
